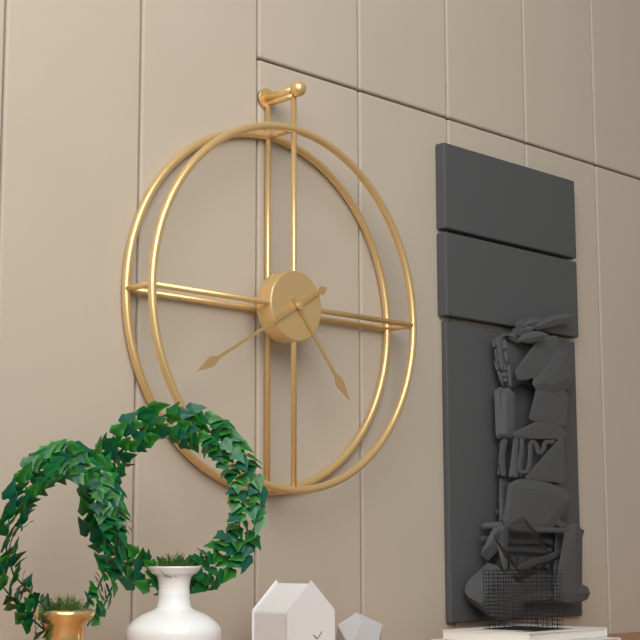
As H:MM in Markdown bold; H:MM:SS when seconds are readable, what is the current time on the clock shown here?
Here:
**4:40**
